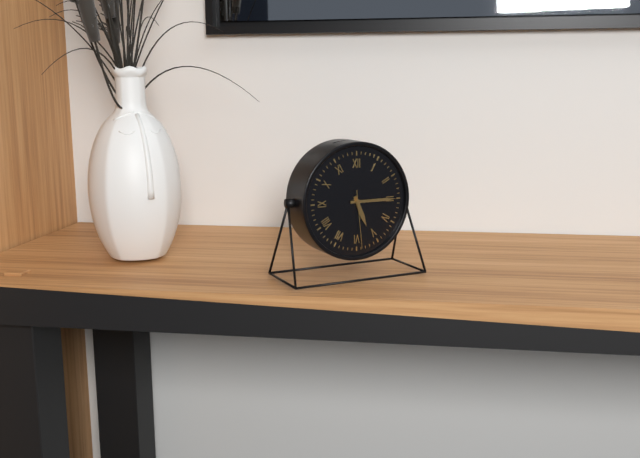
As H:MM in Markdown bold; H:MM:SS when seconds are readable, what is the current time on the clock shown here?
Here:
**5:15:29**
